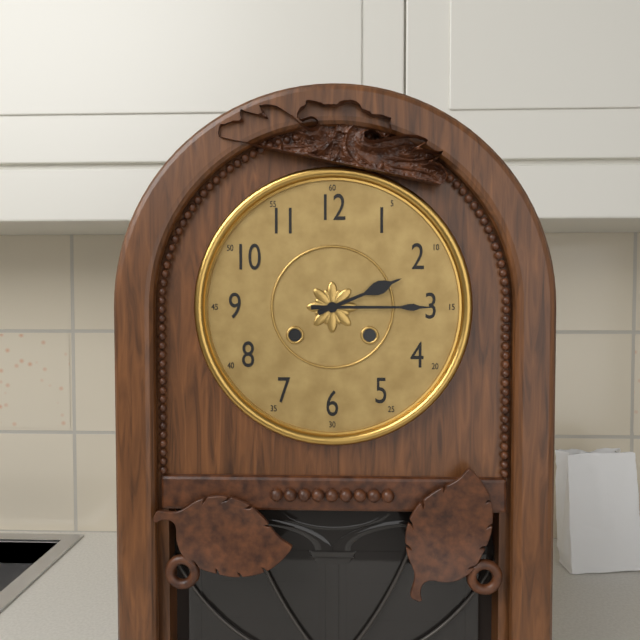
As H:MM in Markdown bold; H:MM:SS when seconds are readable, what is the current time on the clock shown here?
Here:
**2:15**
